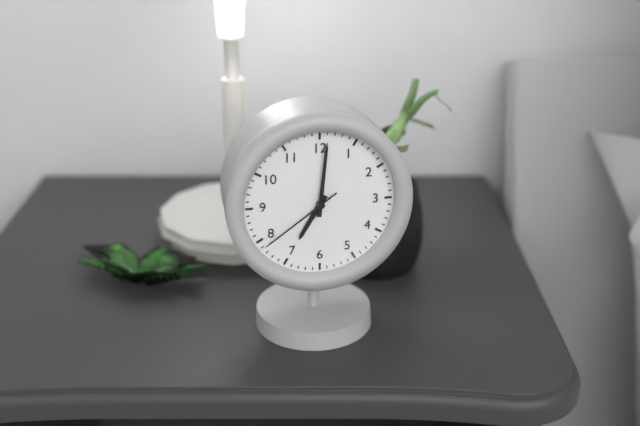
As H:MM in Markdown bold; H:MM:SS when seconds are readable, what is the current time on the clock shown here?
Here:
**7:01:39**
